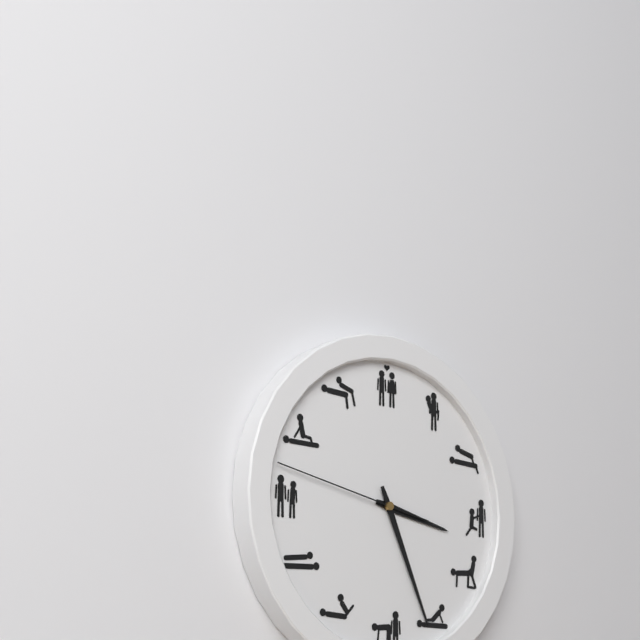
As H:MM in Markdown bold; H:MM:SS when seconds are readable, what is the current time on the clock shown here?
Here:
**3:26:47**
